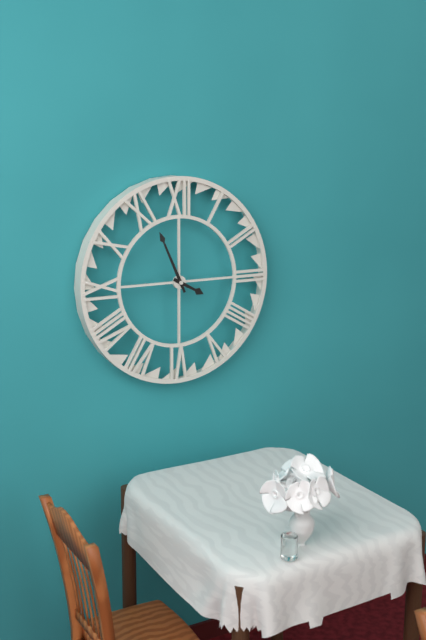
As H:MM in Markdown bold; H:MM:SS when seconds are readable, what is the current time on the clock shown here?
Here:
**3:56**
